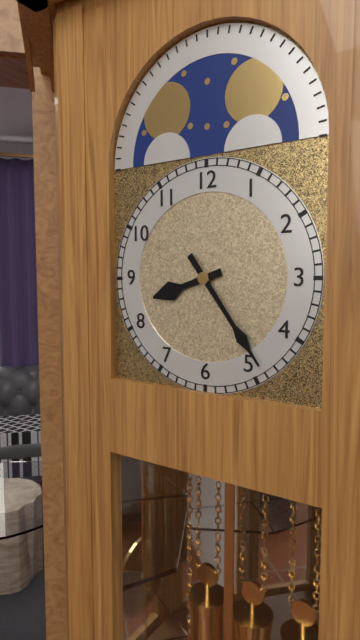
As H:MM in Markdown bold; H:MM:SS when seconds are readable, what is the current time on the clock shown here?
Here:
**8:24**
